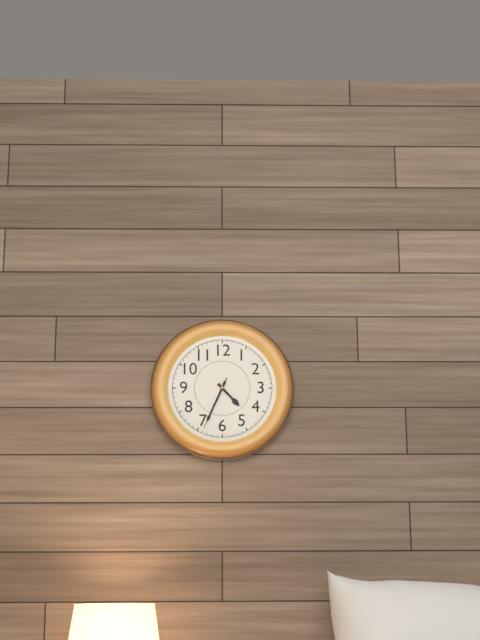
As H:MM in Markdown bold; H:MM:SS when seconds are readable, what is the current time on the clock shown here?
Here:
**4:34:34**
